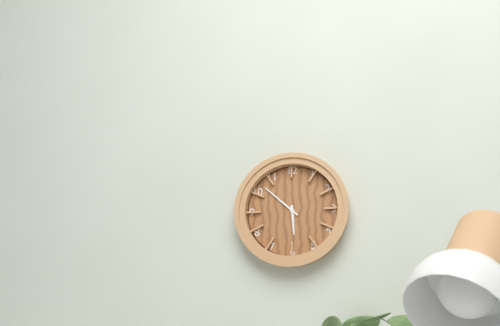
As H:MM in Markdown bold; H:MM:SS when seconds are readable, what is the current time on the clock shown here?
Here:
**5:52**
